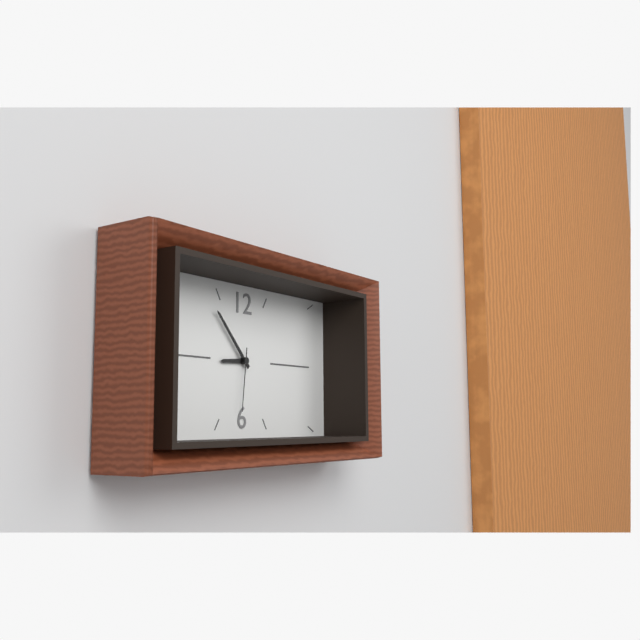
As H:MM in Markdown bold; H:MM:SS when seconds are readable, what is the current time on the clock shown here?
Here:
**8:53:31**
